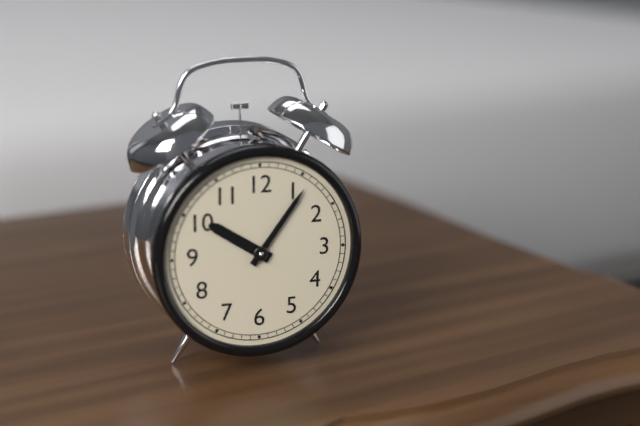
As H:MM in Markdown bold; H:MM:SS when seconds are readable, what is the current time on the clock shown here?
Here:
**10:06**
